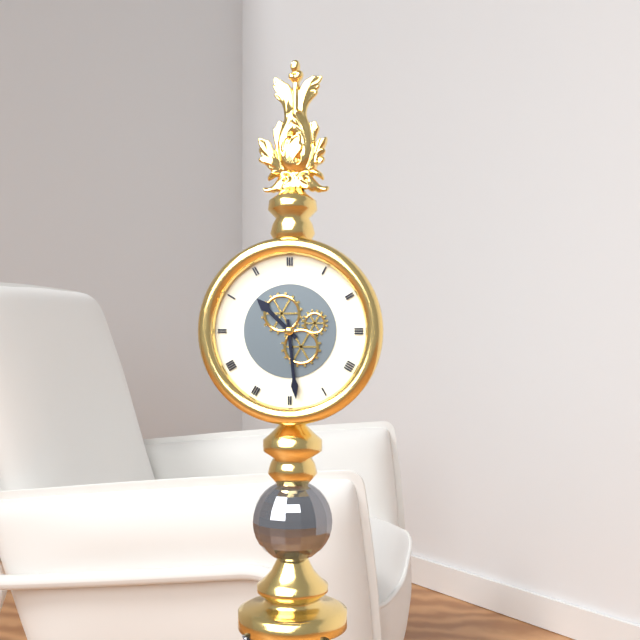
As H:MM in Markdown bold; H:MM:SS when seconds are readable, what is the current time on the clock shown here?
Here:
**10:29**
